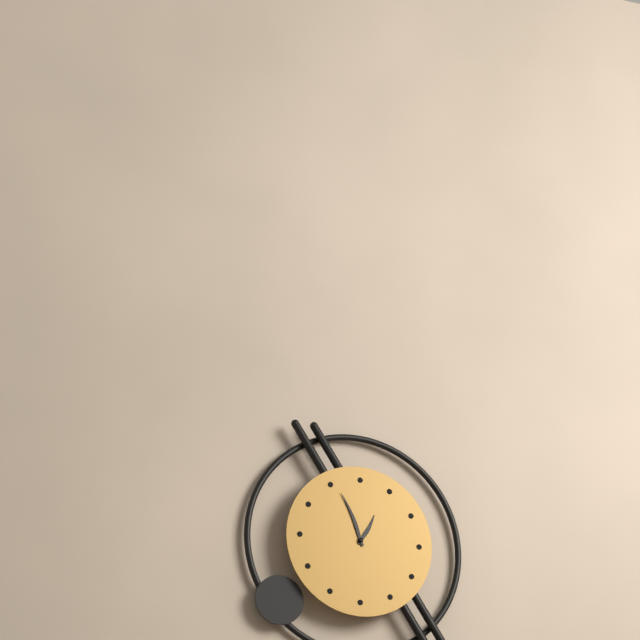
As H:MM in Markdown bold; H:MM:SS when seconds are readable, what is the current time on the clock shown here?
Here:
**12:56**
